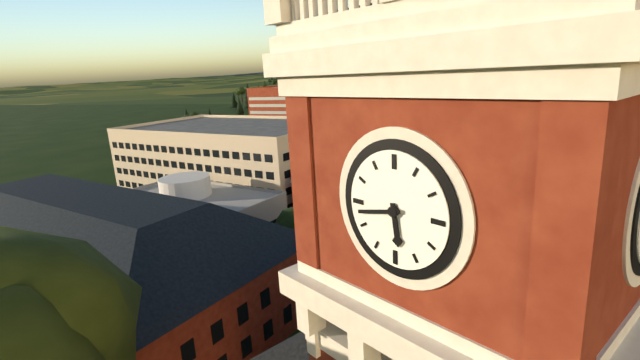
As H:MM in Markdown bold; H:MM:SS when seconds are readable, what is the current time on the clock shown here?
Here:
**5:43**
